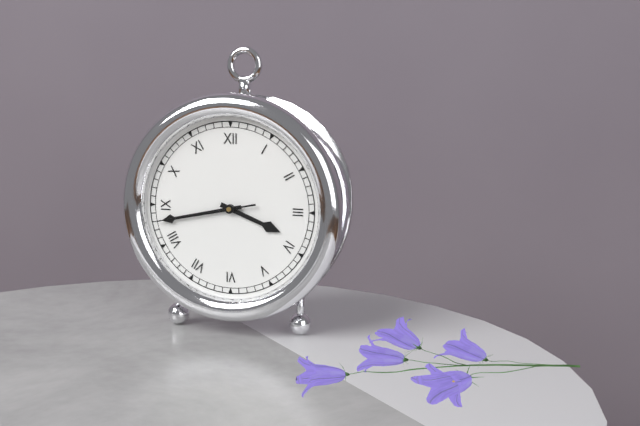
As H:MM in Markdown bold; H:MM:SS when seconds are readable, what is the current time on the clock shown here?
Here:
**3:43:43**
